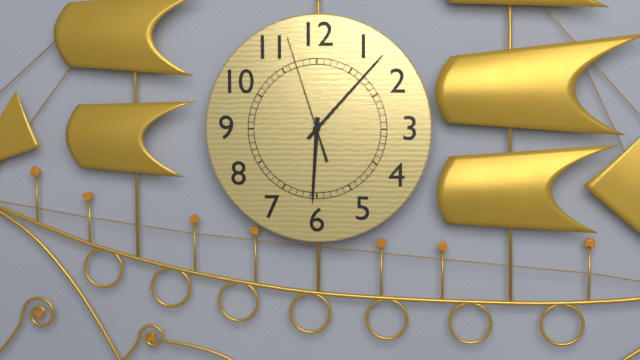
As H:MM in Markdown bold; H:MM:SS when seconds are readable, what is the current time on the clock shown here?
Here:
**6:07:57**
